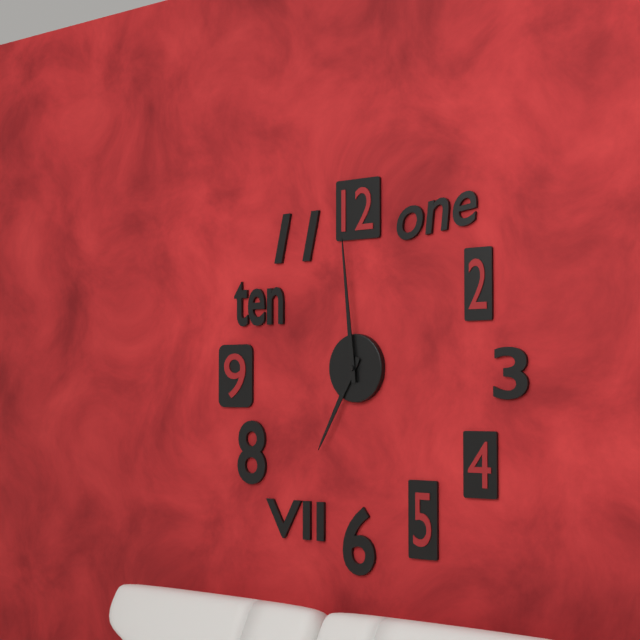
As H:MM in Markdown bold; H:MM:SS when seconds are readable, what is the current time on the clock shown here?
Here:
**6:59**
